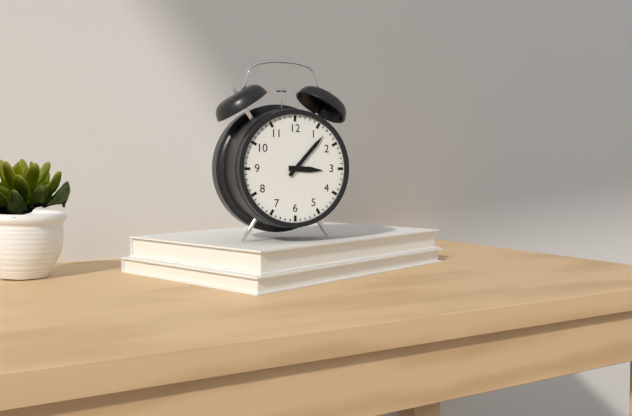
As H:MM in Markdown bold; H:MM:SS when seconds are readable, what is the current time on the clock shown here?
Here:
**3:07**
